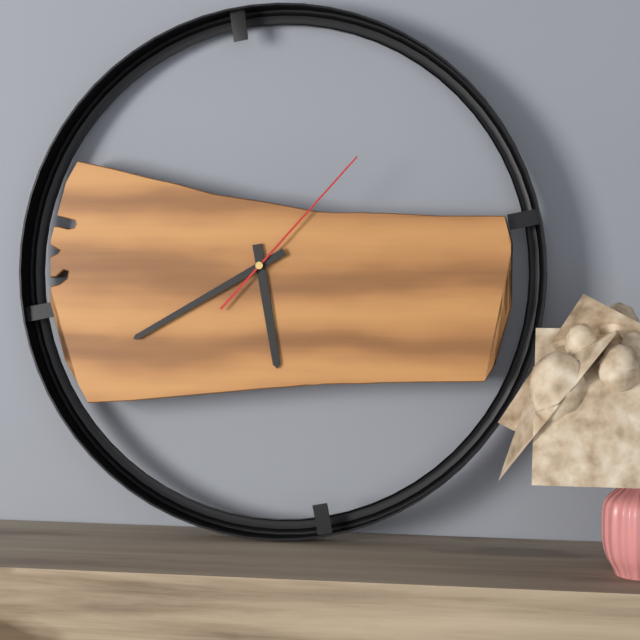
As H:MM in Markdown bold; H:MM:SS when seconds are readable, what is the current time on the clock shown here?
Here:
**5:40:07**
